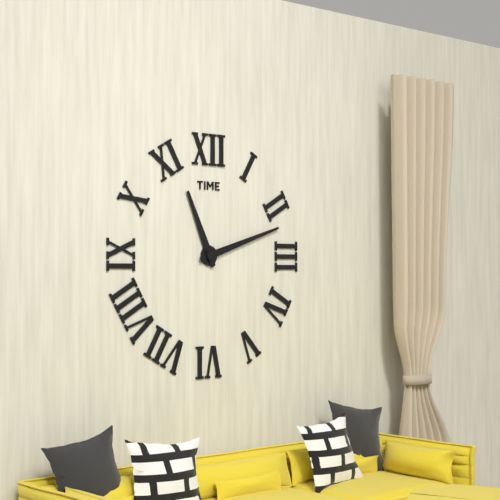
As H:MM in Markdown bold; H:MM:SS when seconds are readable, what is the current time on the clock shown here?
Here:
**11:12**
